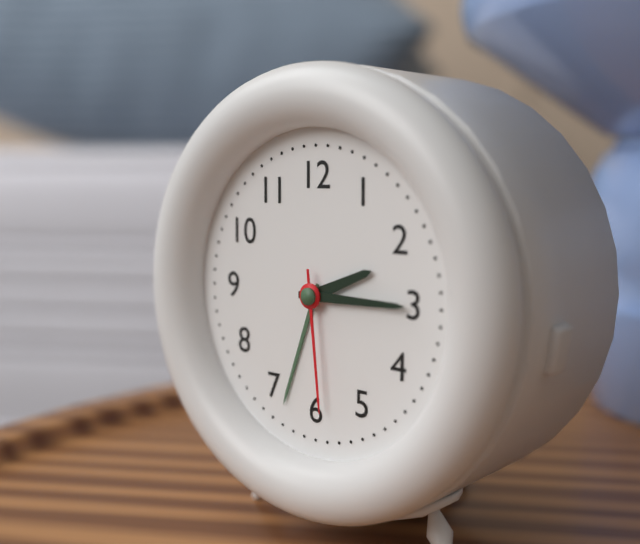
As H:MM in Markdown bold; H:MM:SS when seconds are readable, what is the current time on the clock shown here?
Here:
**2:15:29**
